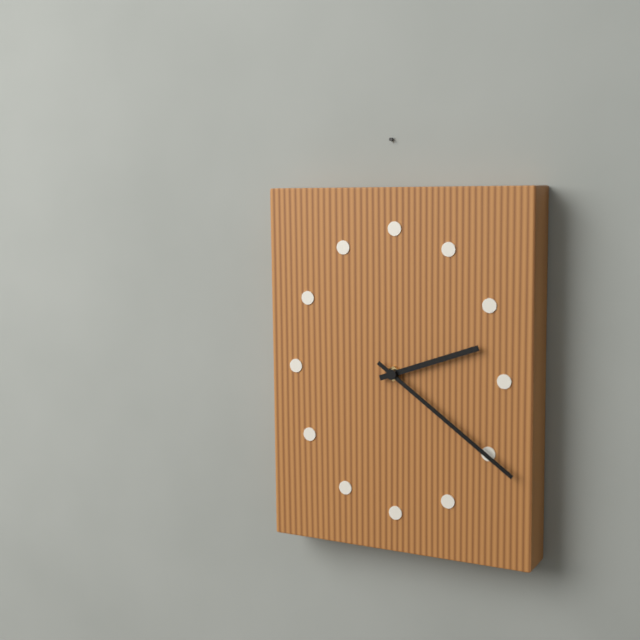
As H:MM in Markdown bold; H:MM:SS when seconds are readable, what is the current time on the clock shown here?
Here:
**2:21**
